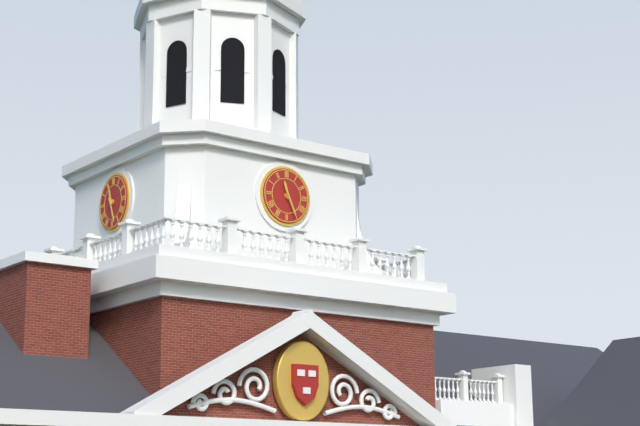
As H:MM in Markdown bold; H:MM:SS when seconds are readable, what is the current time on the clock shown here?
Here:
**11:26**
